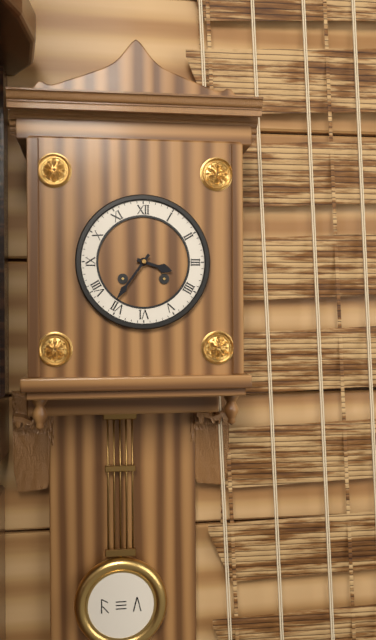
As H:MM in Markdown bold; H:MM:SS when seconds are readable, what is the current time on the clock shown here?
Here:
**3:36**
